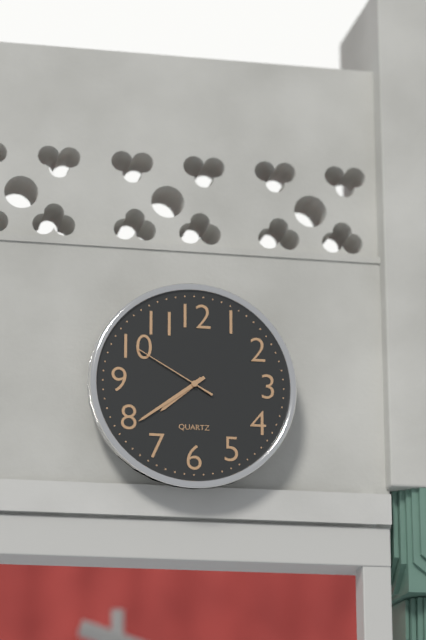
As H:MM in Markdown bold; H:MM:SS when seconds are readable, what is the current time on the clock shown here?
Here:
**7:39:50**
